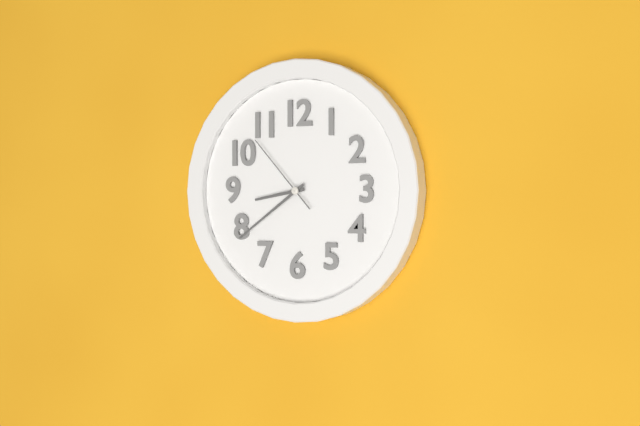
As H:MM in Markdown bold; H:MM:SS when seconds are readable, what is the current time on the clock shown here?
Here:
**8:39:53**
